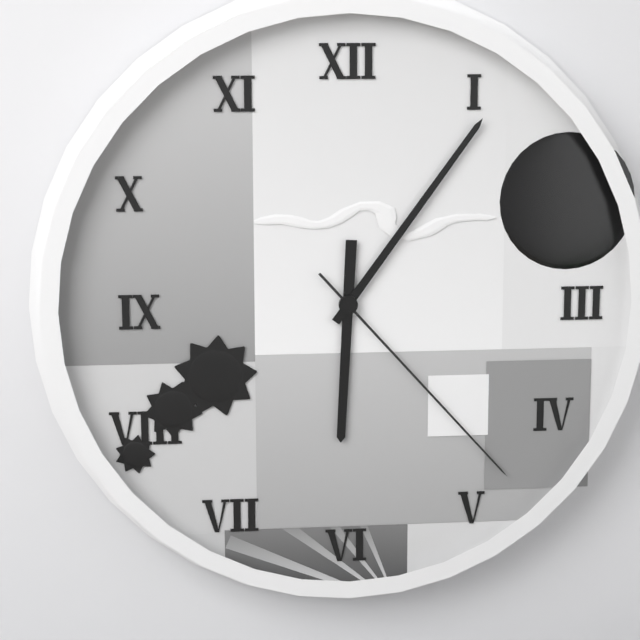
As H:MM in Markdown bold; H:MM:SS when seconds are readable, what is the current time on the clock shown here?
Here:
**6:06:23**
